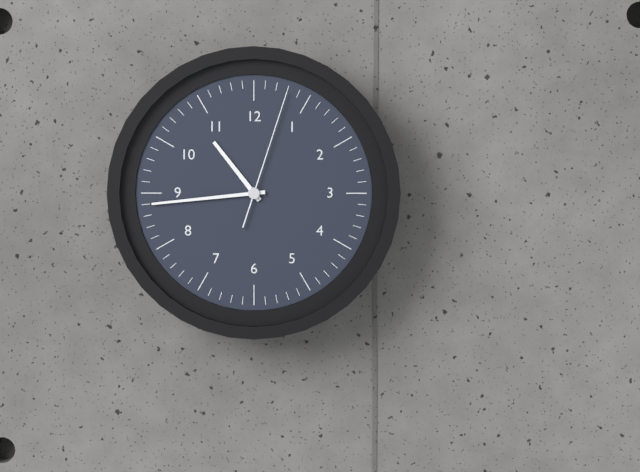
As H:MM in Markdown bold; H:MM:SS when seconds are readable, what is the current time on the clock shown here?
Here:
**10:44:03**
